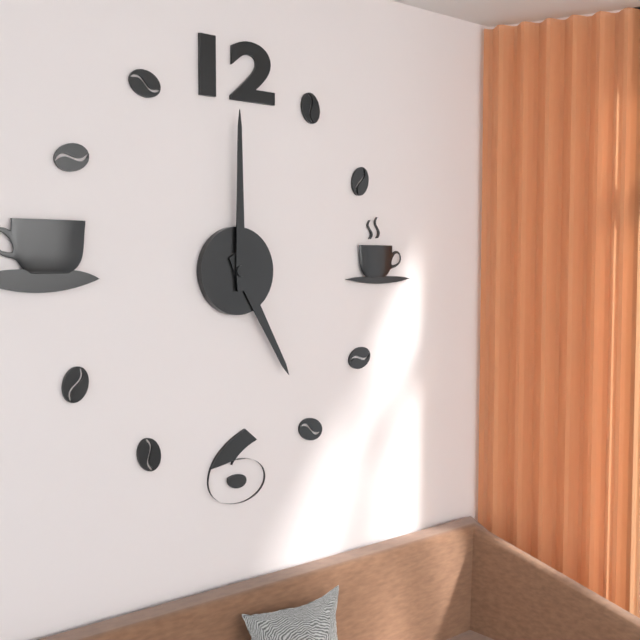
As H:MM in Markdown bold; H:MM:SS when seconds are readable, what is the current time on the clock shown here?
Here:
**5:00**
